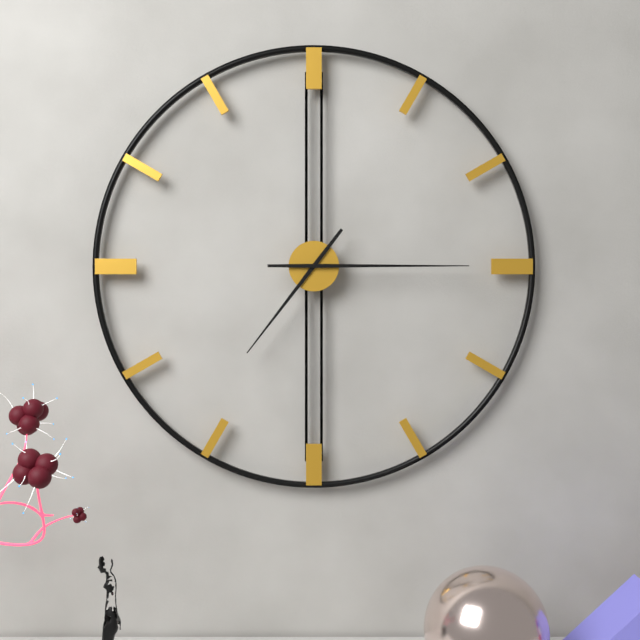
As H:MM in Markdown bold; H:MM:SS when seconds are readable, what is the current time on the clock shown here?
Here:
**7:15**
